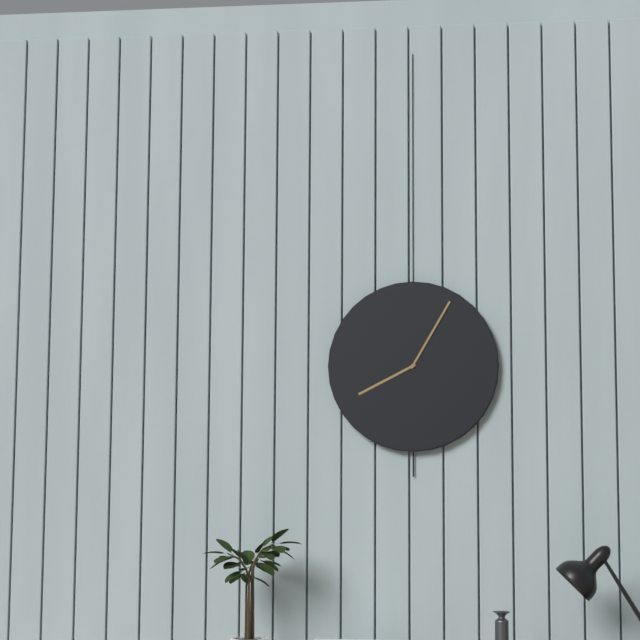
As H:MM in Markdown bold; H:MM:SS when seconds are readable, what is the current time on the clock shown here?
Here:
**8:05**
